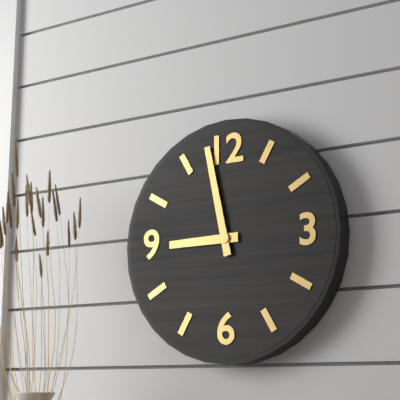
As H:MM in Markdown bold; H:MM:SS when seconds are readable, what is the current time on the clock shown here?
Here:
**8:58**
